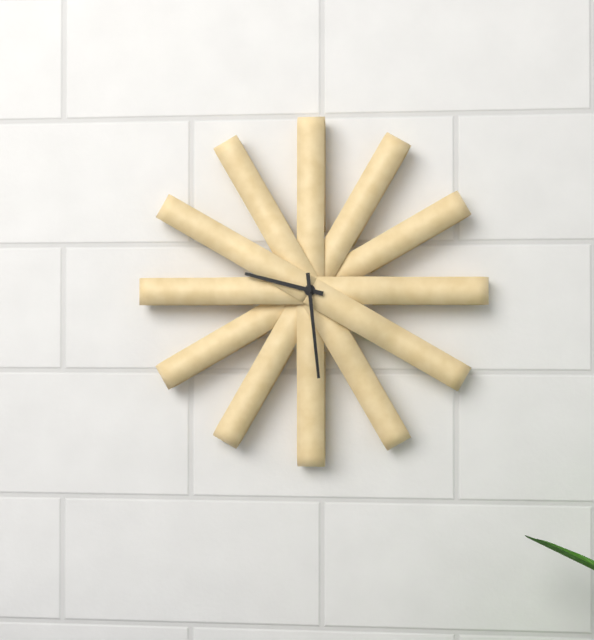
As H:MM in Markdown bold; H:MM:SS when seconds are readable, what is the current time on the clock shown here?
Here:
**9:29**
